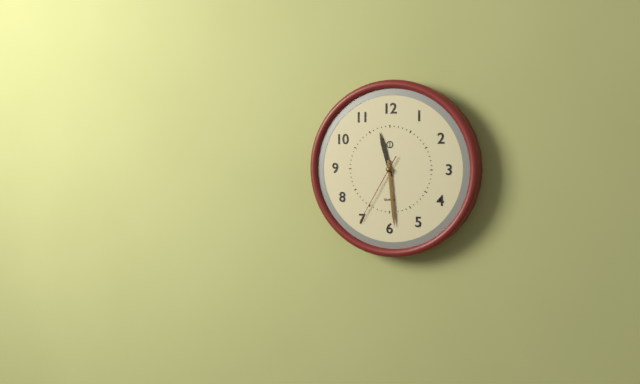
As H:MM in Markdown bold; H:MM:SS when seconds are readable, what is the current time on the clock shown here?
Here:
**11:29:35**
